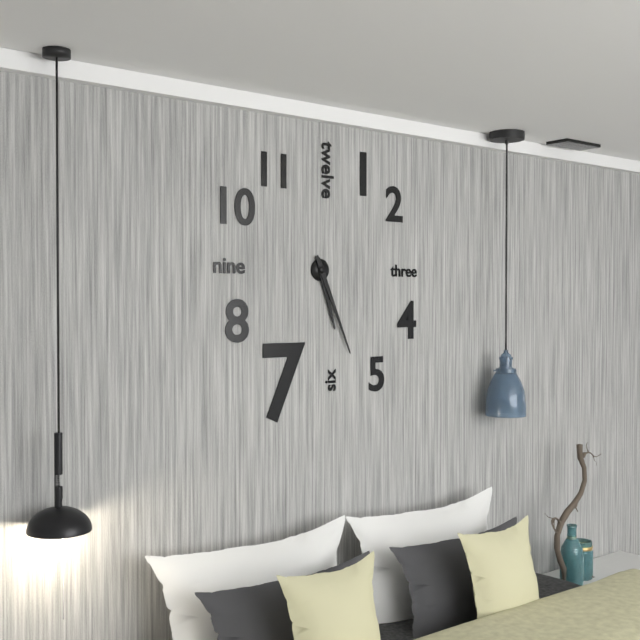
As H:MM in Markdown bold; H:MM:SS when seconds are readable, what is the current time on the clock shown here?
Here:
**5:26**
